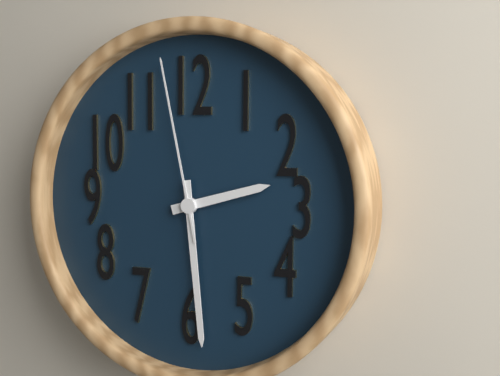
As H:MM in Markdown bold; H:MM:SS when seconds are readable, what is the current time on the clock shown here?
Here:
**2:29:58**
